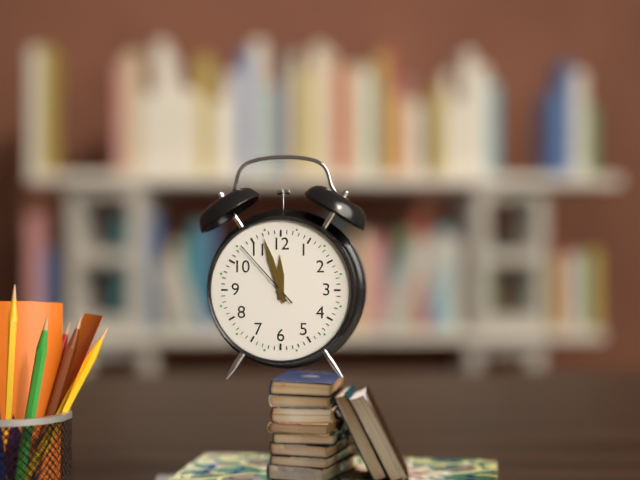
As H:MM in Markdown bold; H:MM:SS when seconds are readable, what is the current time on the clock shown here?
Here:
**11:57:53**
